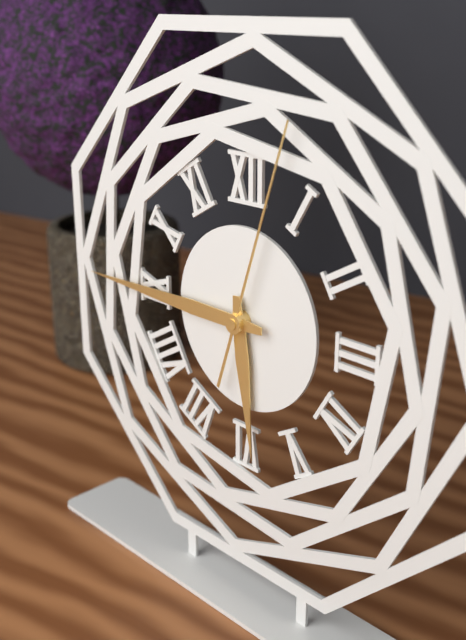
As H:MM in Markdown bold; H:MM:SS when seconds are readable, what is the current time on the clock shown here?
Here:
**5:45:03**
